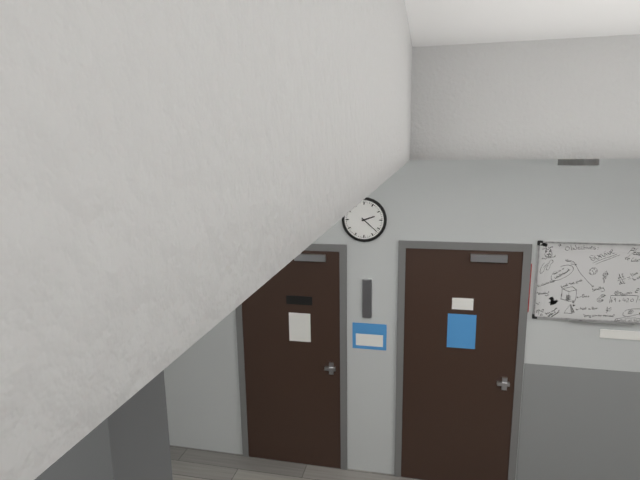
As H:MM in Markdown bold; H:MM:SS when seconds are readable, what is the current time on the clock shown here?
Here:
**2:22**
